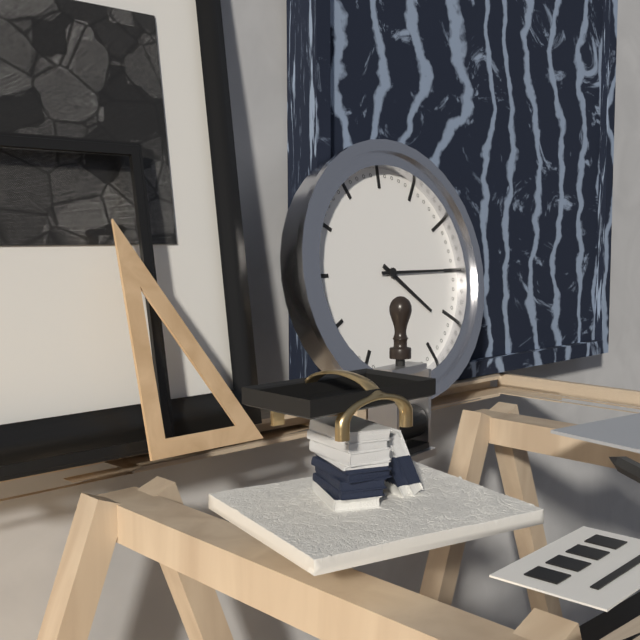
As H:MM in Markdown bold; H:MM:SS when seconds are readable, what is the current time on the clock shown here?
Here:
**4:15**
